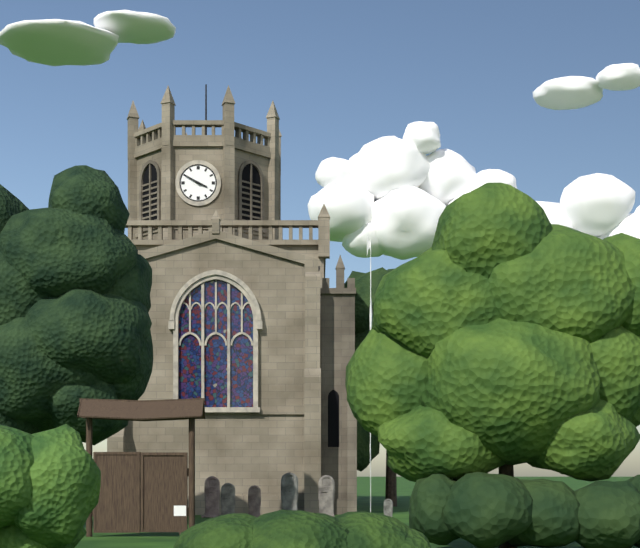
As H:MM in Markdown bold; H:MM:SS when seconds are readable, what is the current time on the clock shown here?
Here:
**3:50**
